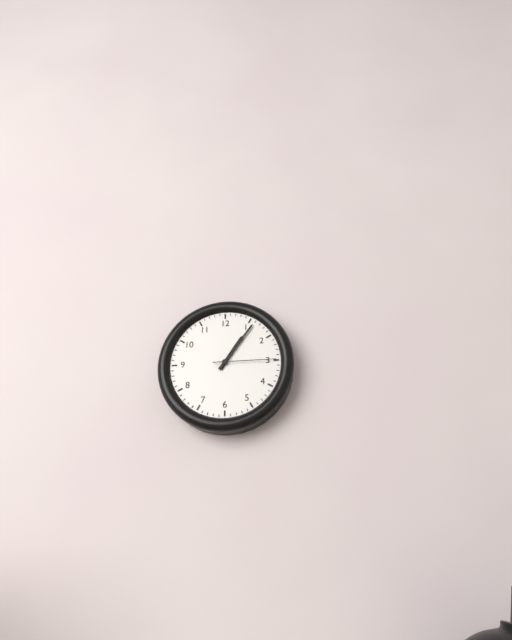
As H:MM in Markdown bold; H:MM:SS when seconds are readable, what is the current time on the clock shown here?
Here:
**1:06:15**
